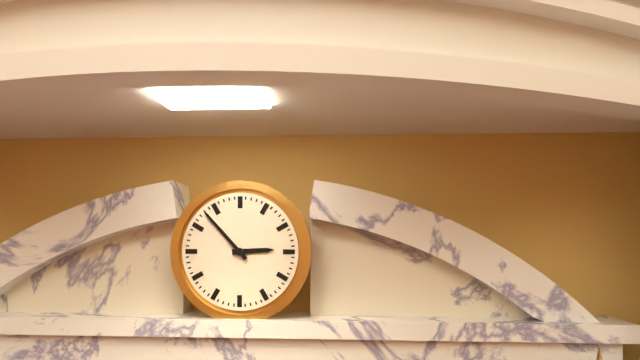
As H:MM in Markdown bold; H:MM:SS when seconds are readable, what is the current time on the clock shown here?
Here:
**2:53**
